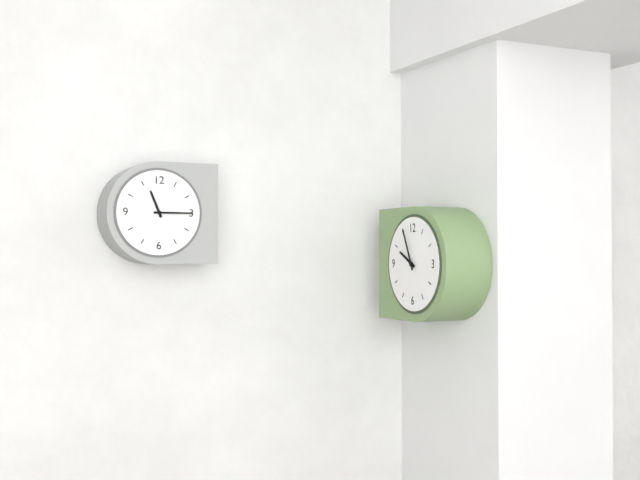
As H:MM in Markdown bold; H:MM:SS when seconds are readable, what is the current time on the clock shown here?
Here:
**9:56**
